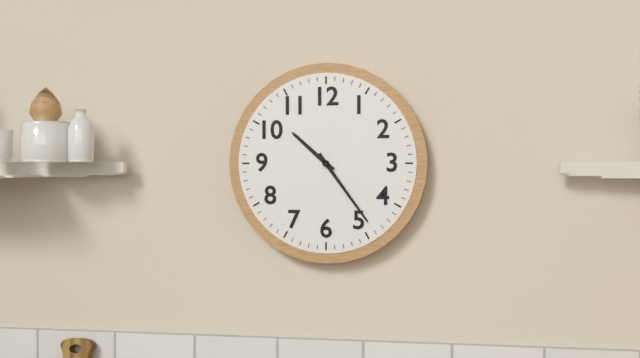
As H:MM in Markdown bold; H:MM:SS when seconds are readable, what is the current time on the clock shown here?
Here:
**10:24**
